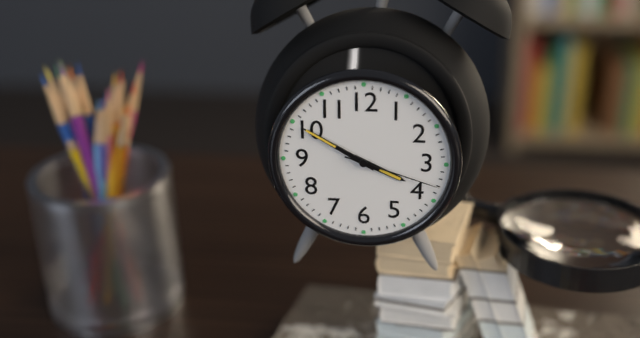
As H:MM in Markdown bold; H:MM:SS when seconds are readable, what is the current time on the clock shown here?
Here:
**3:50:18**
